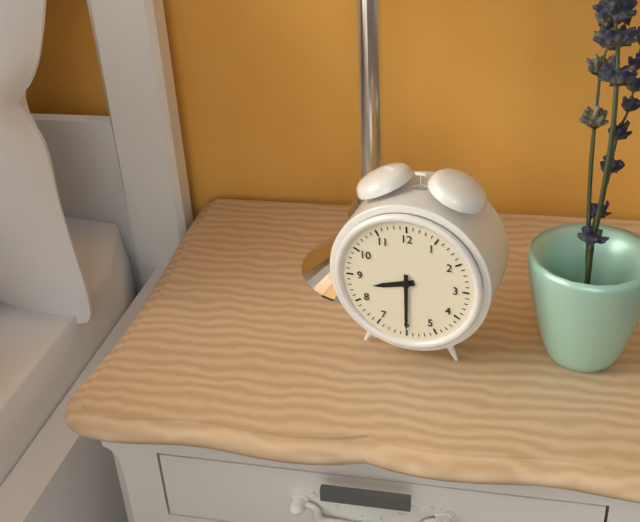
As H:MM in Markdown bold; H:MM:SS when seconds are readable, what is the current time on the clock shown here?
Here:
**8:30**
